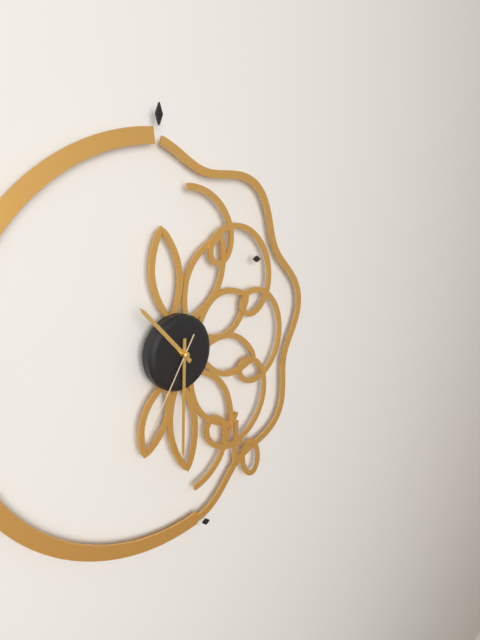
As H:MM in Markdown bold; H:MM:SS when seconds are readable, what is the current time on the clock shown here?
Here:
**10:30:35**
